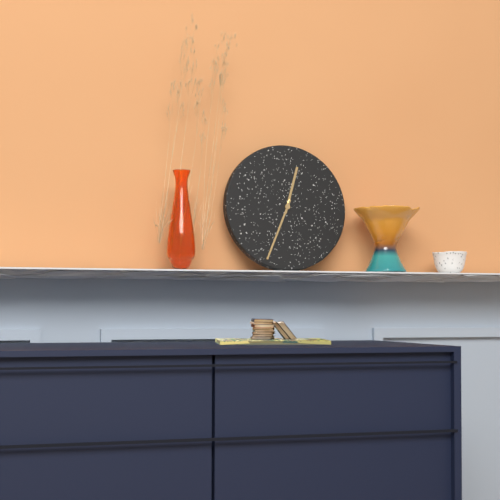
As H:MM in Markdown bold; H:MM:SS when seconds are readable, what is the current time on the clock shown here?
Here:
**12:34**
